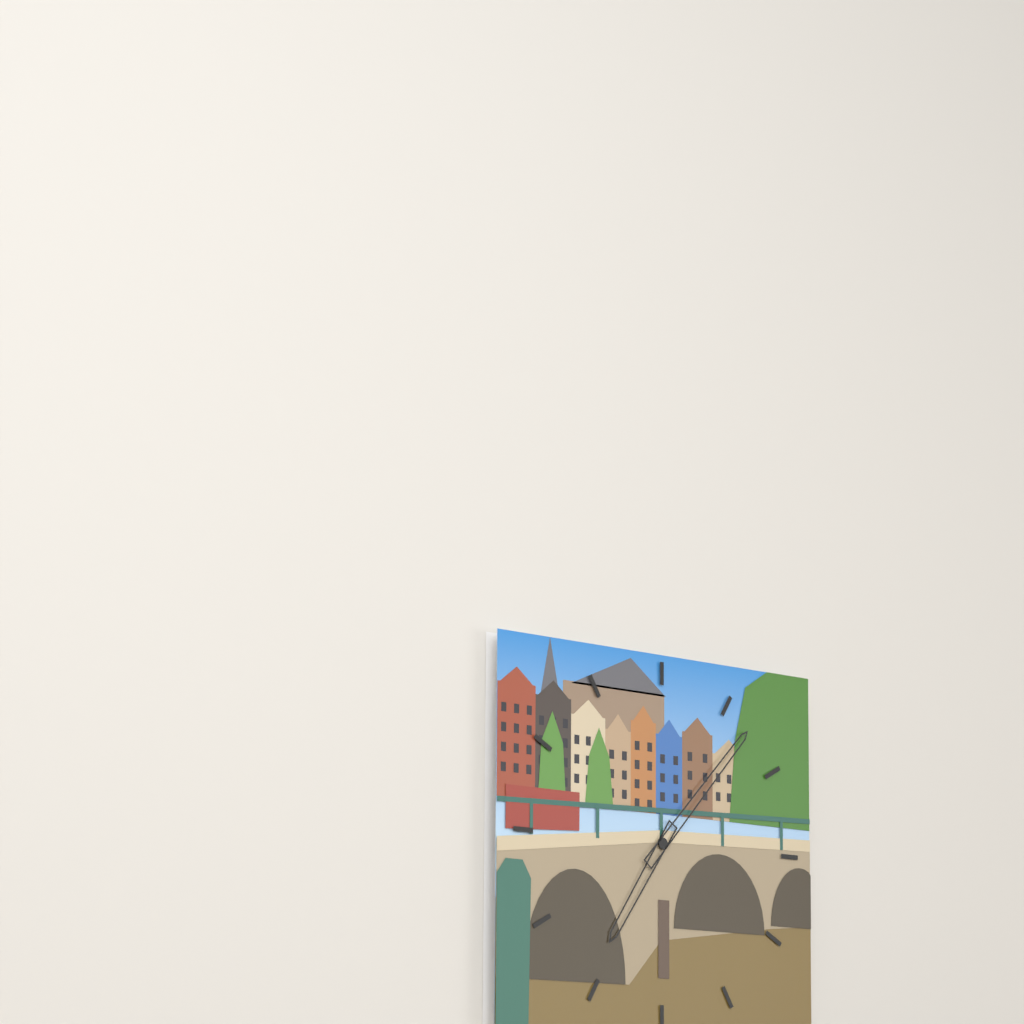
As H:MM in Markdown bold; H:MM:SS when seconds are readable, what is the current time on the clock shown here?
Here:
**7:07**
